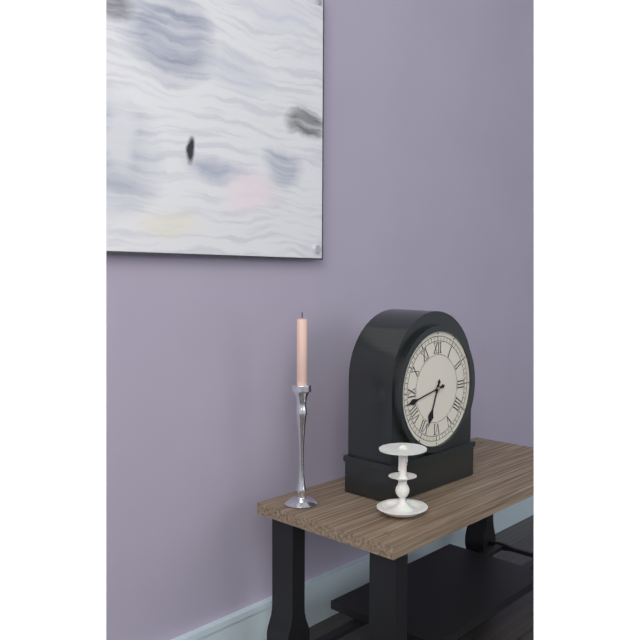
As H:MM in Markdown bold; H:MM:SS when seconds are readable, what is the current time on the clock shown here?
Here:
**6:43**
